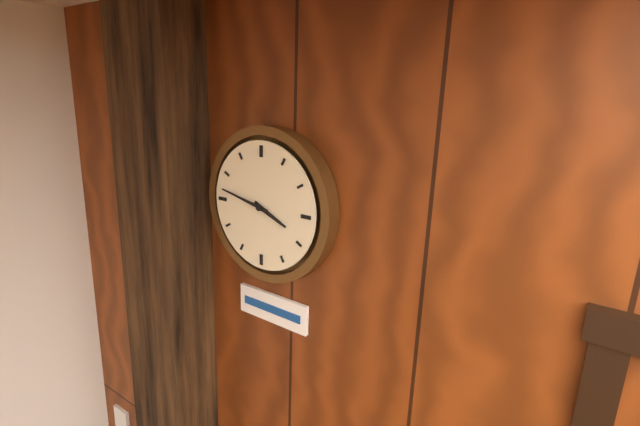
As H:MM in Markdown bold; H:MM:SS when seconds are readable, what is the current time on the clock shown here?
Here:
**3:47**
